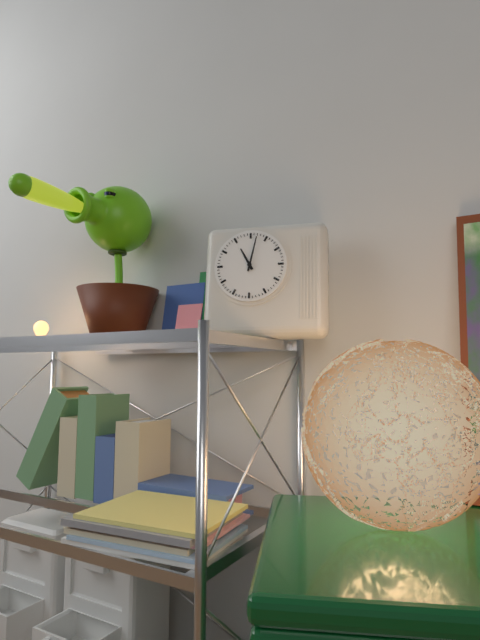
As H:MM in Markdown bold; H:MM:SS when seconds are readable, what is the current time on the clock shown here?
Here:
**11:02**
